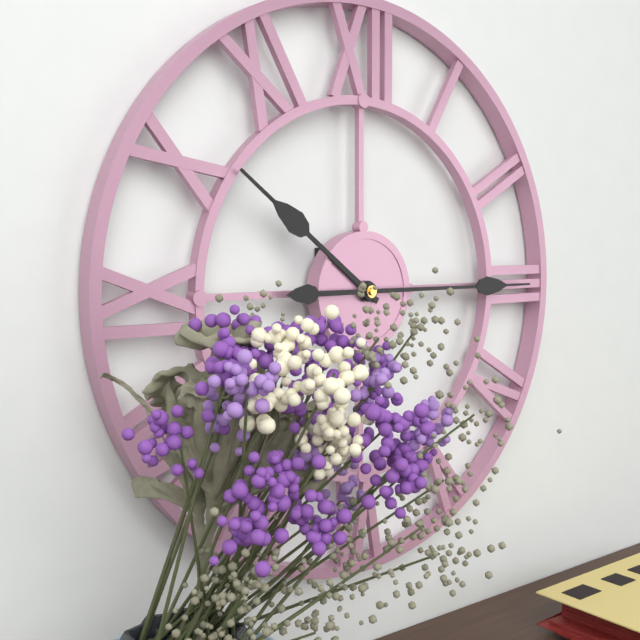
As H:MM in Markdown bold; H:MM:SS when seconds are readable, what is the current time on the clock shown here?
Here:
**10:15**
